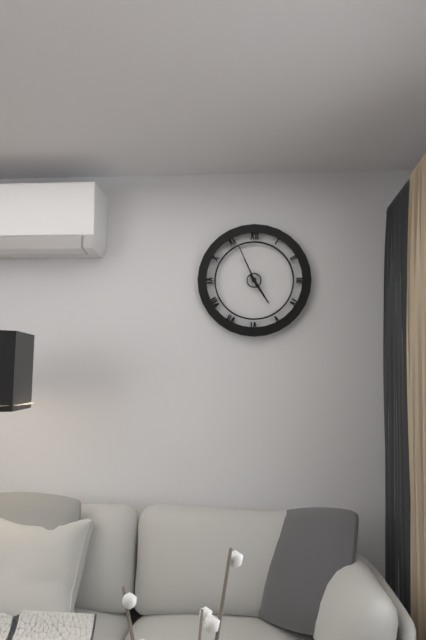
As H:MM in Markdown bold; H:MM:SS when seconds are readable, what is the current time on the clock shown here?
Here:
**4:56**
